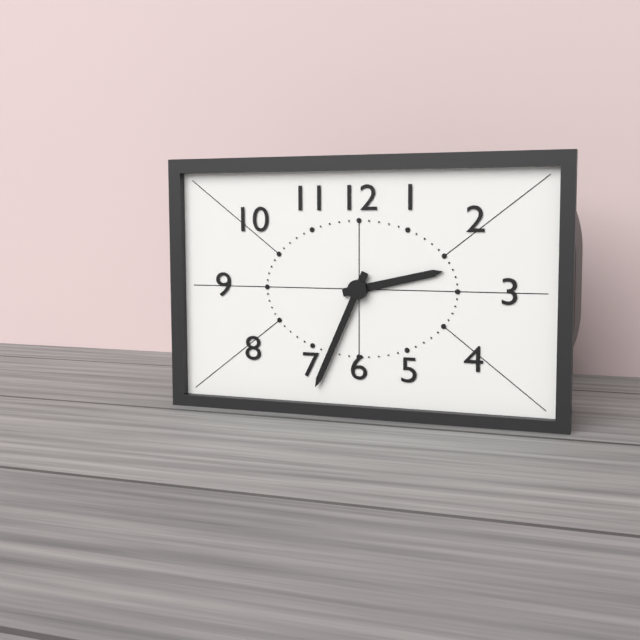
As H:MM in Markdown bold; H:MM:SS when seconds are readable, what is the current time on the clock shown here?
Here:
**2:34**
